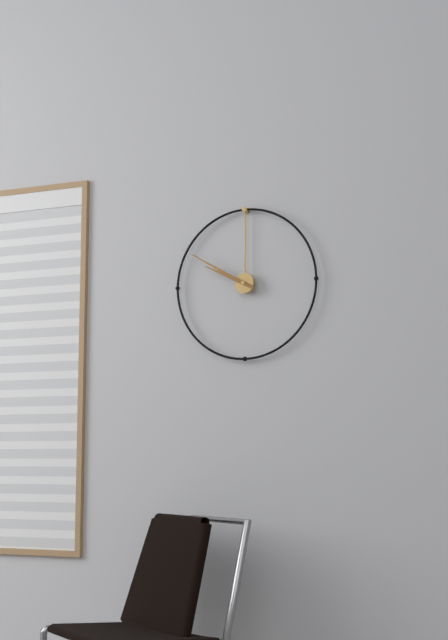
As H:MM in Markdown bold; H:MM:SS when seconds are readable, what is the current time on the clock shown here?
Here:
**9:50**
